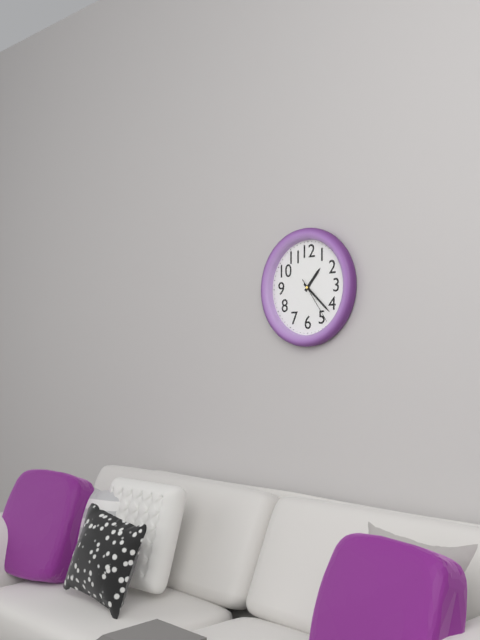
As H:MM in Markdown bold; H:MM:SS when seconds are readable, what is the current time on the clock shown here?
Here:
**1:22**
